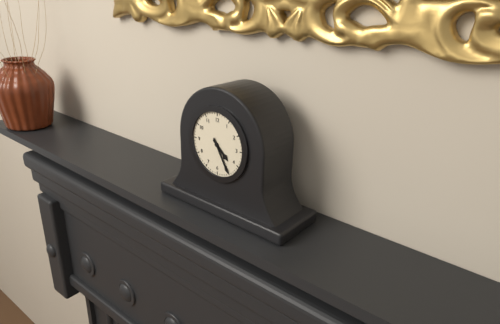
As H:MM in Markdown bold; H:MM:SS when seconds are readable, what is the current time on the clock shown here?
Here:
**4:25**
